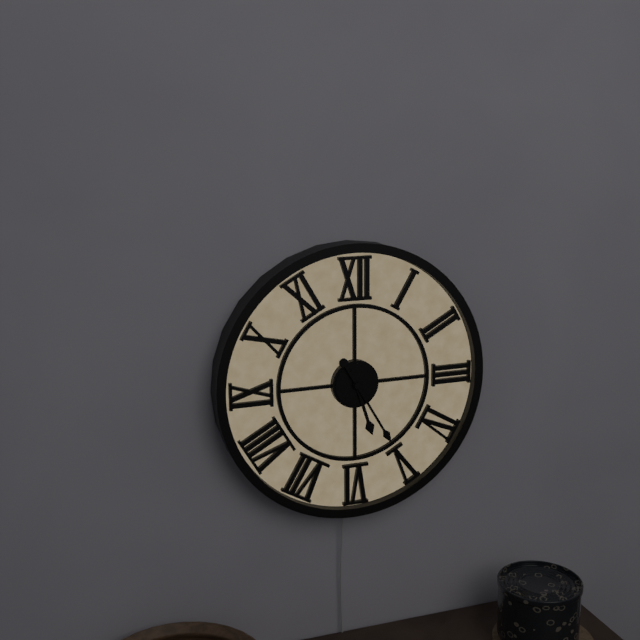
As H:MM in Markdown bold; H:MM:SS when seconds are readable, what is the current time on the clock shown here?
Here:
**5:25**
